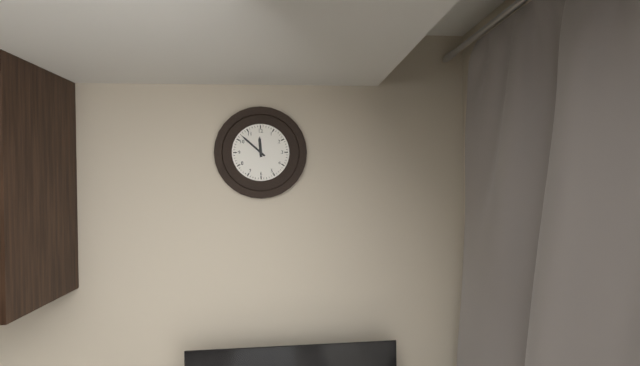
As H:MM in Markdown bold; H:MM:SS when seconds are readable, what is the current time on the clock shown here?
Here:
**11:52**
